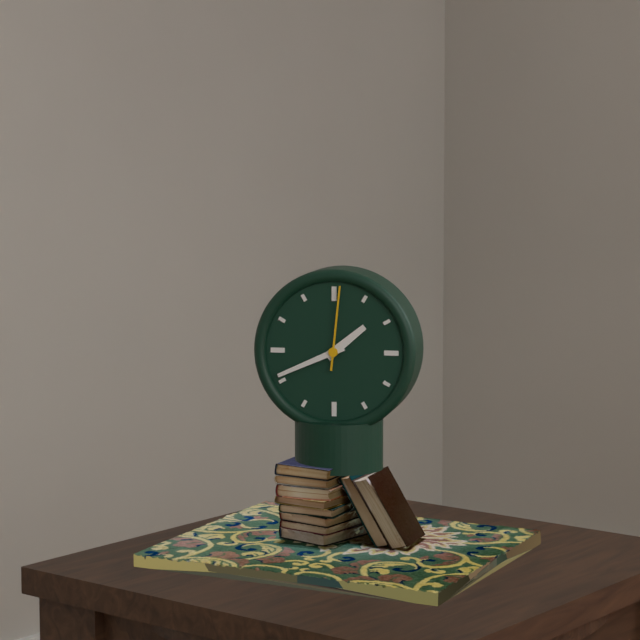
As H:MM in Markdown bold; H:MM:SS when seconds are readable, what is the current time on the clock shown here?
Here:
**1:41:01**
